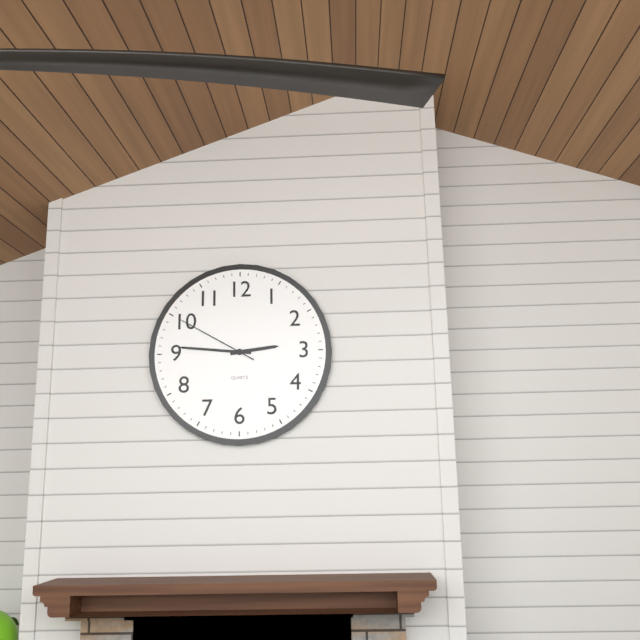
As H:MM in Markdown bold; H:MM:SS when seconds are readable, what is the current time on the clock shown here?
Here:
**2:46:50**
